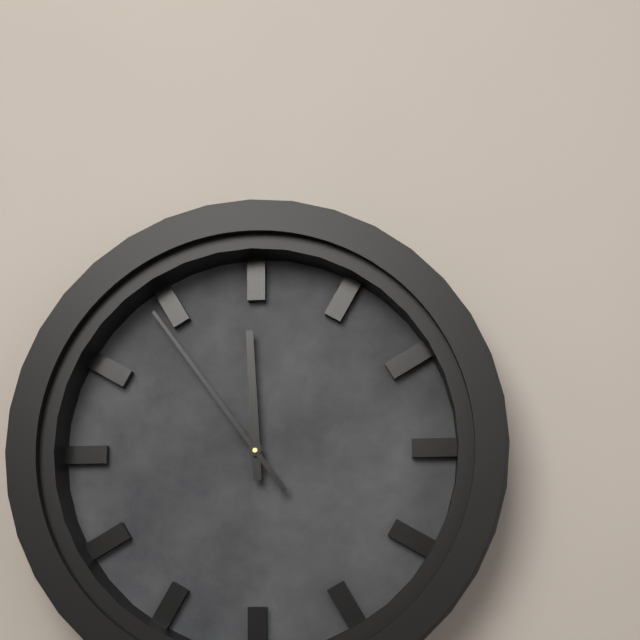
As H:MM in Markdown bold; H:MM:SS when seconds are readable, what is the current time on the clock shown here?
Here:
**11:54**
